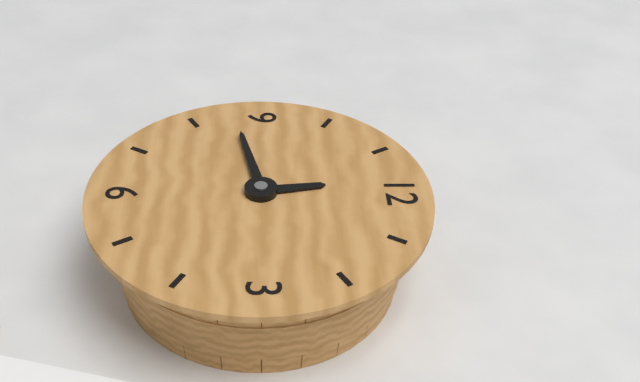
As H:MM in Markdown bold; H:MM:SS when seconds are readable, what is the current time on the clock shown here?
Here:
**11:43**
